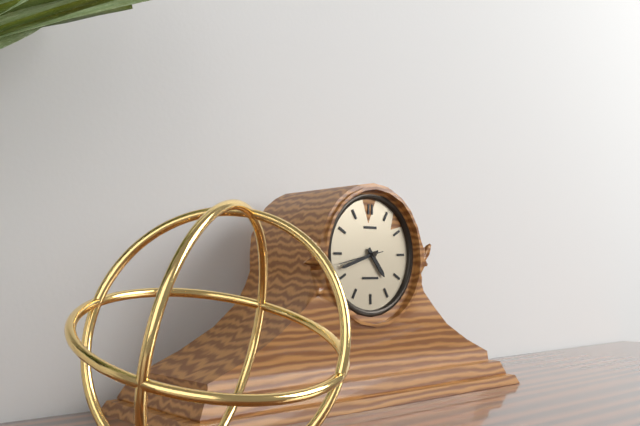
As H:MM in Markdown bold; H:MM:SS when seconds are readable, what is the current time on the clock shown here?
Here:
**4:42**
